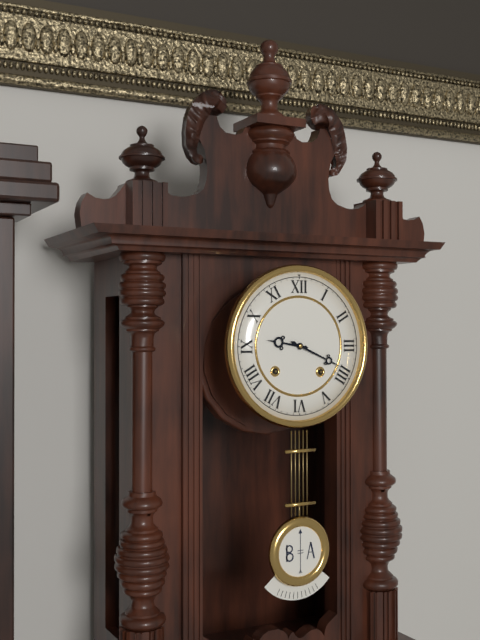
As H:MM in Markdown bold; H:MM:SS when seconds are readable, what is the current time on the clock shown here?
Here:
**9:19**
